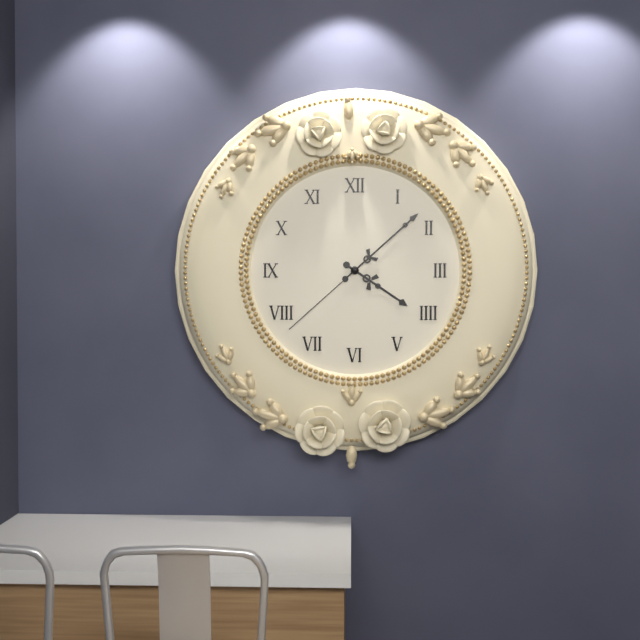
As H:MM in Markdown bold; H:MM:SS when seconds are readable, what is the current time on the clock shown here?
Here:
**4:08:38**
